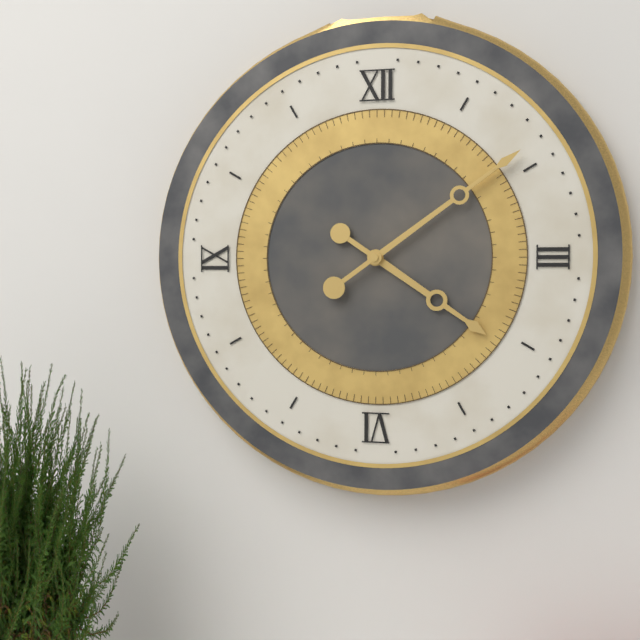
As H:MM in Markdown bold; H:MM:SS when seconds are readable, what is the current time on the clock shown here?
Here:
**4:09**
